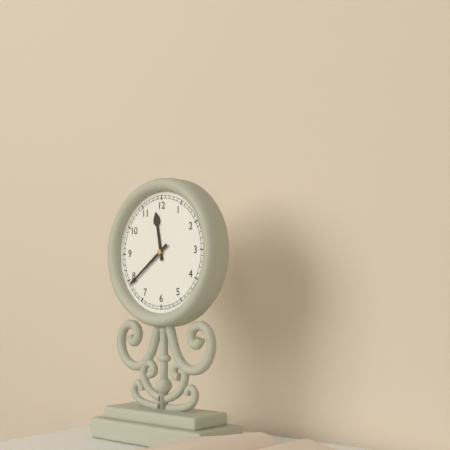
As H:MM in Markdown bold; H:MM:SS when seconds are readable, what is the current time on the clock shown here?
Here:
**11:39**
